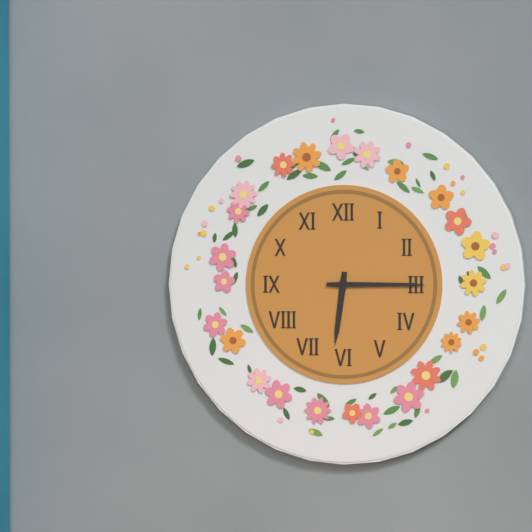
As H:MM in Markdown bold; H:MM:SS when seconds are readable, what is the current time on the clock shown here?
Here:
**6:15**
